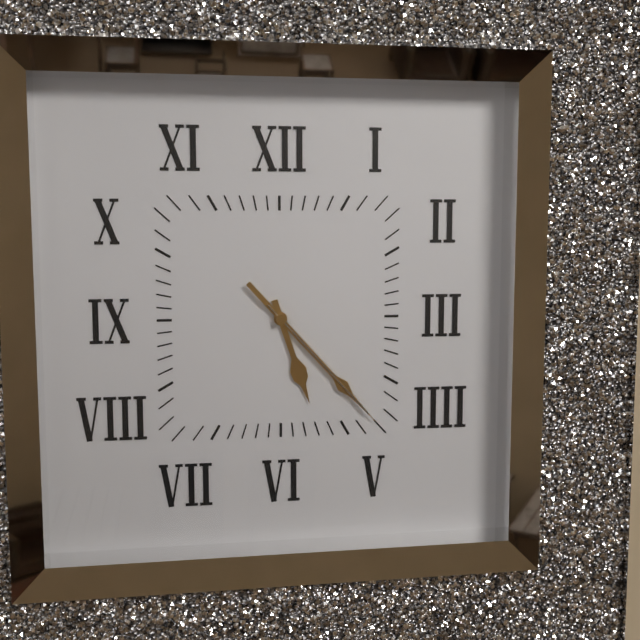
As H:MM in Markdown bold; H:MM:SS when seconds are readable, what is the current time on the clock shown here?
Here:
**5:23:23**
